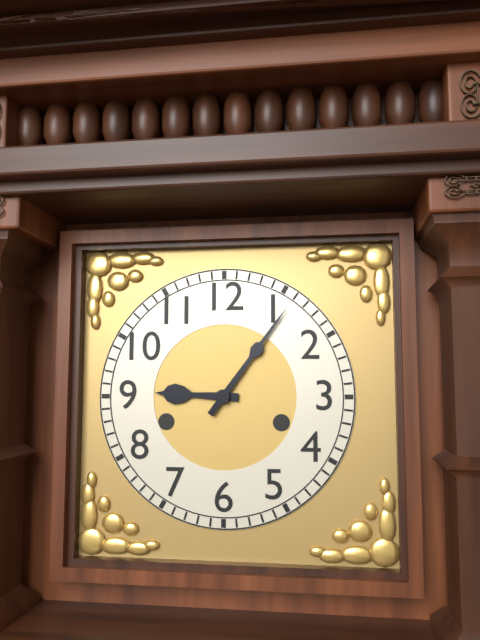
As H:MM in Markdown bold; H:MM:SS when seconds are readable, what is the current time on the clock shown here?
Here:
**9:06**
